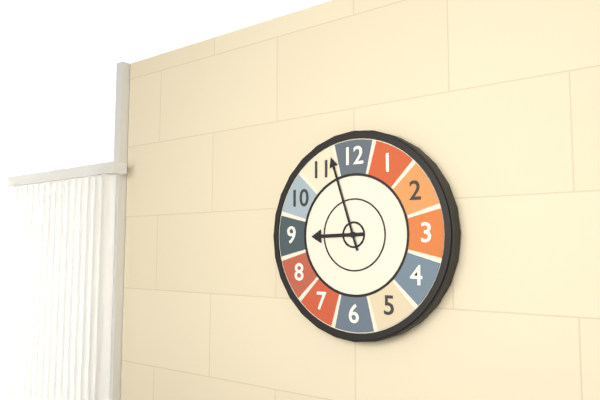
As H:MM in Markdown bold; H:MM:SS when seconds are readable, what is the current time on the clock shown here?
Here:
**8:57**
